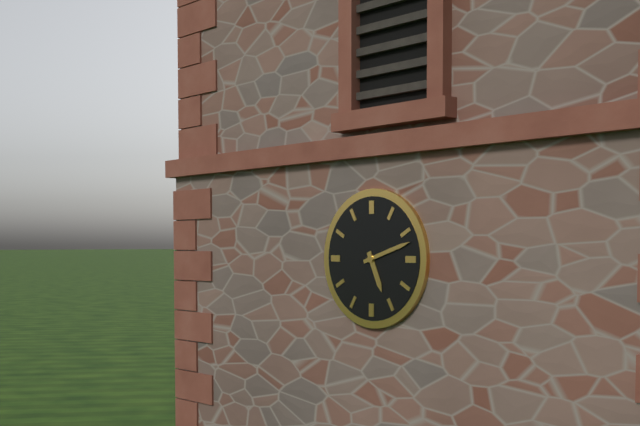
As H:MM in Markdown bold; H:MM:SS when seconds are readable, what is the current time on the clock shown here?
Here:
**5:12**
